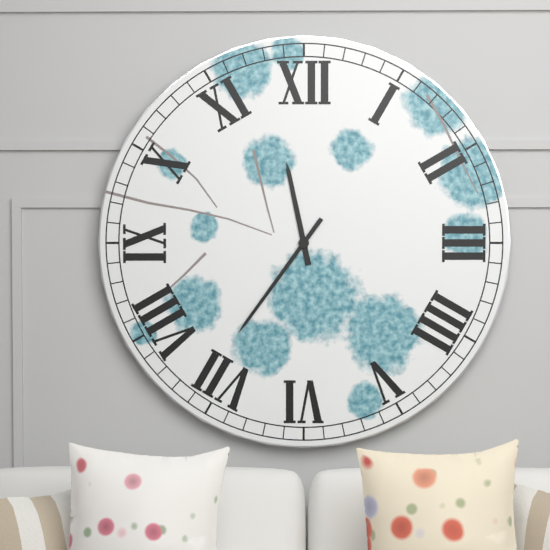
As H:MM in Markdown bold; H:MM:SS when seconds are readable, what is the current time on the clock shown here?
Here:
**11:36**
